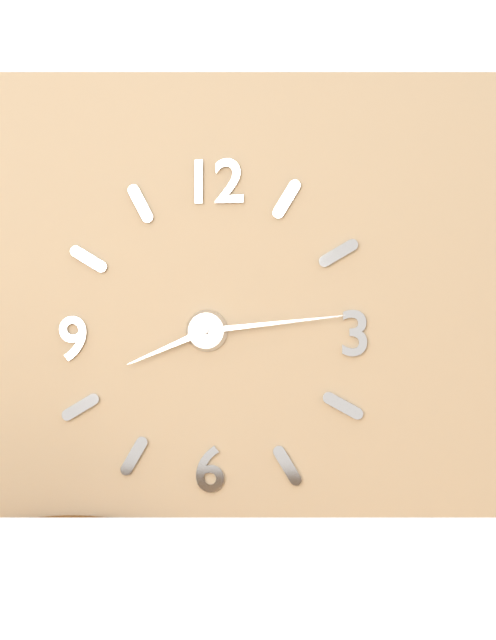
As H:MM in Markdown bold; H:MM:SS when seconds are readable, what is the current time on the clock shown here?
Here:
**8:14**
